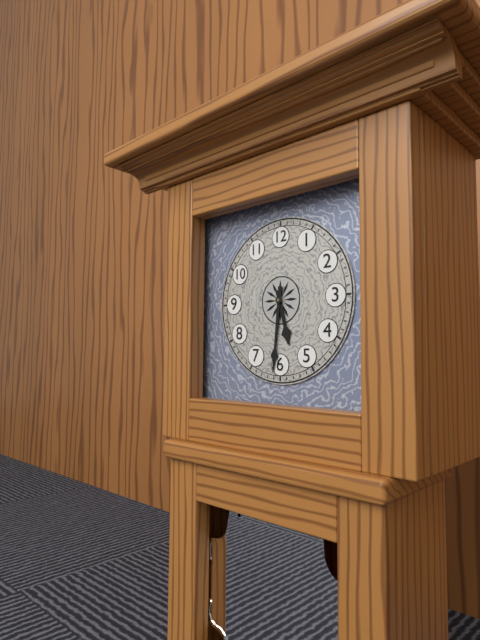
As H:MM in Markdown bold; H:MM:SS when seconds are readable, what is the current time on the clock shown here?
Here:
**5:31**
